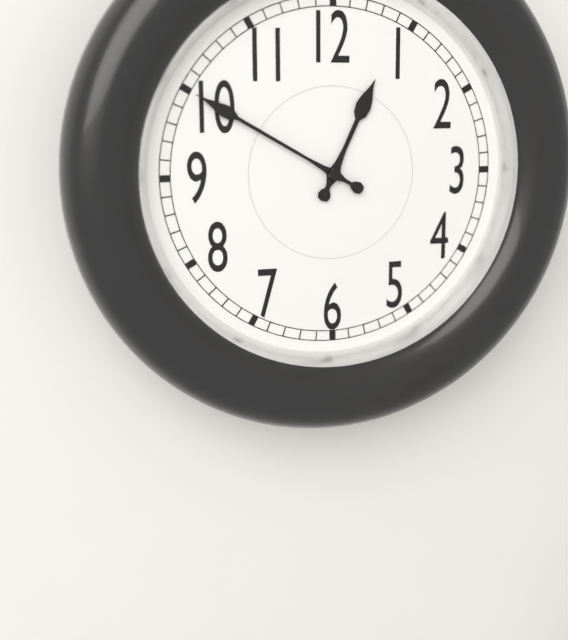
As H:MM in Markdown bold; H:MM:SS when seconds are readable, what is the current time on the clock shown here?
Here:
**12:50**
